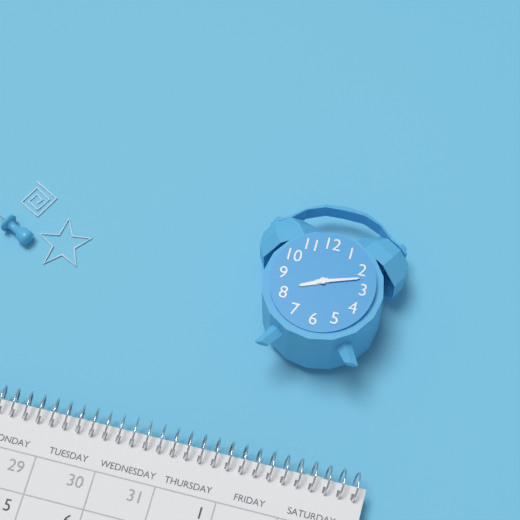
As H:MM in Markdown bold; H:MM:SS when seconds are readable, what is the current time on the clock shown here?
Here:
**8:12**
